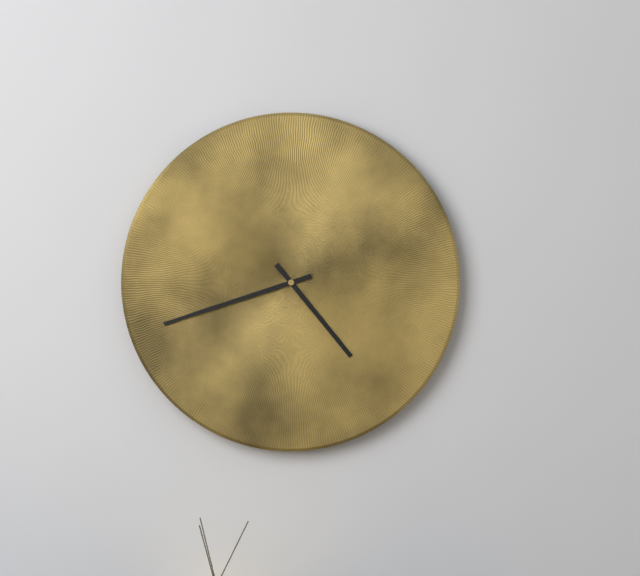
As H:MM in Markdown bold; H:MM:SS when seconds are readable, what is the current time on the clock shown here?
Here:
**4:42**
